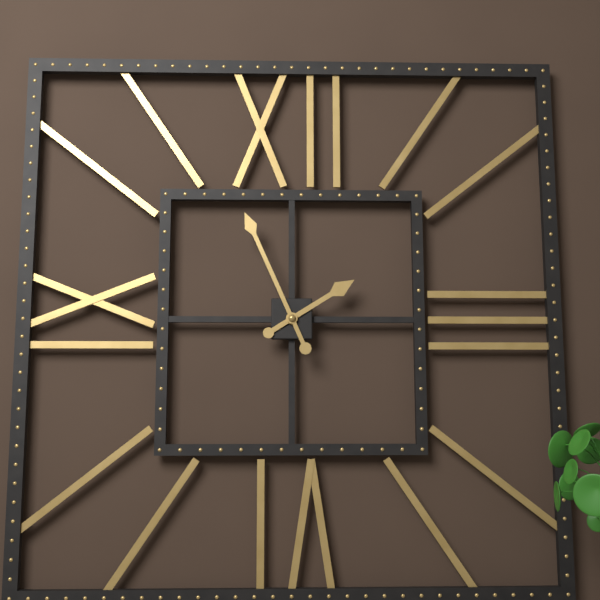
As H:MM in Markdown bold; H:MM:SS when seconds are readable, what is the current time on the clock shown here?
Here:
**1:56**
